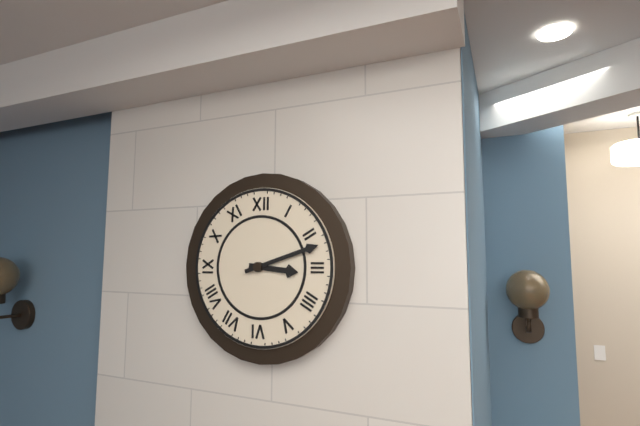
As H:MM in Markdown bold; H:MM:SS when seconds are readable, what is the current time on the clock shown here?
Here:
**3:12**
